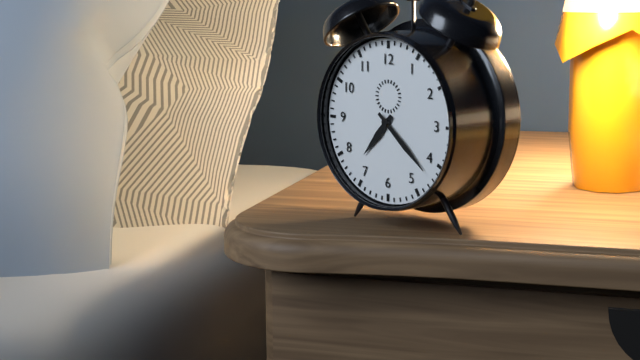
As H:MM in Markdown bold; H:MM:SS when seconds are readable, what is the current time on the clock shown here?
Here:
**7:22**
